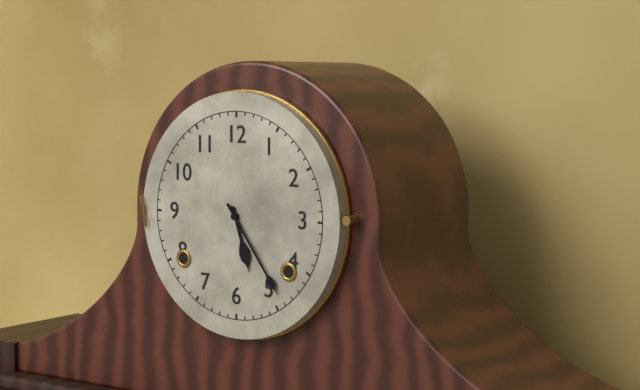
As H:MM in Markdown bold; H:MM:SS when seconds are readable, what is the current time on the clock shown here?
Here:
**5:24**
